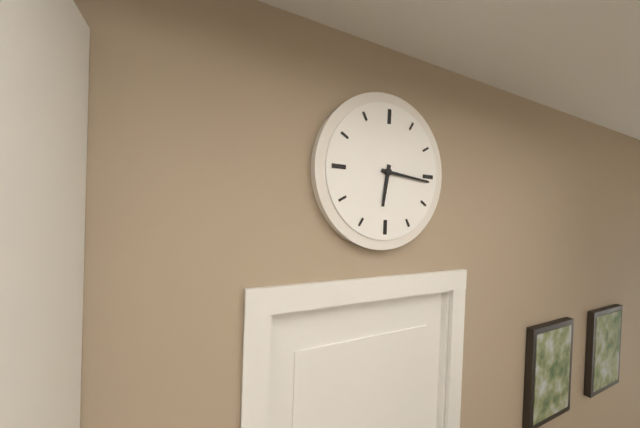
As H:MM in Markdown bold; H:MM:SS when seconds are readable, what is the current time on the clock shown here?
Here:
**6:16**
